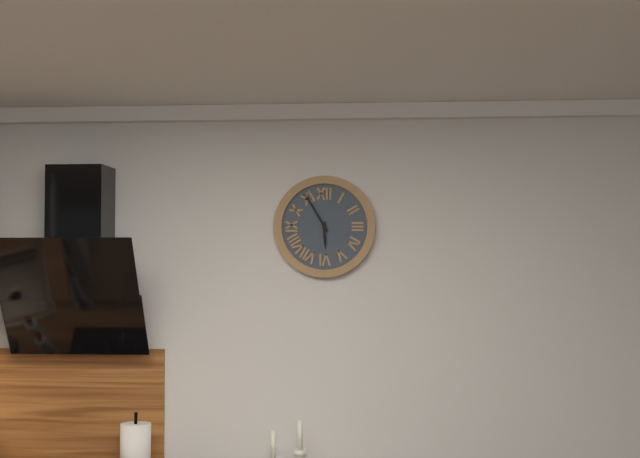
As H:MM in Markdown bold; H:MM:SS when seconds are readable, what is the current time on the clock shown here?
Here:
**5:55**
